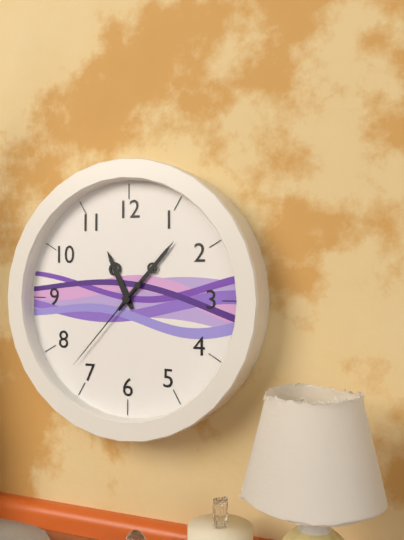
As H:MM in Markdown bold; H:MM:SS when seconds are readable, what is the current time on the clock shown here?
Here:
**11:07:37**
